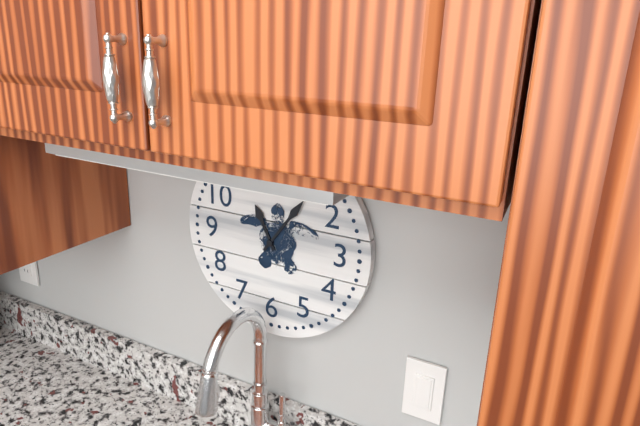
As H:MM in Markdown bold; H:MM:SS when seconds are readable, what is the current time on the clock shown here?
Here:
**11:06**
